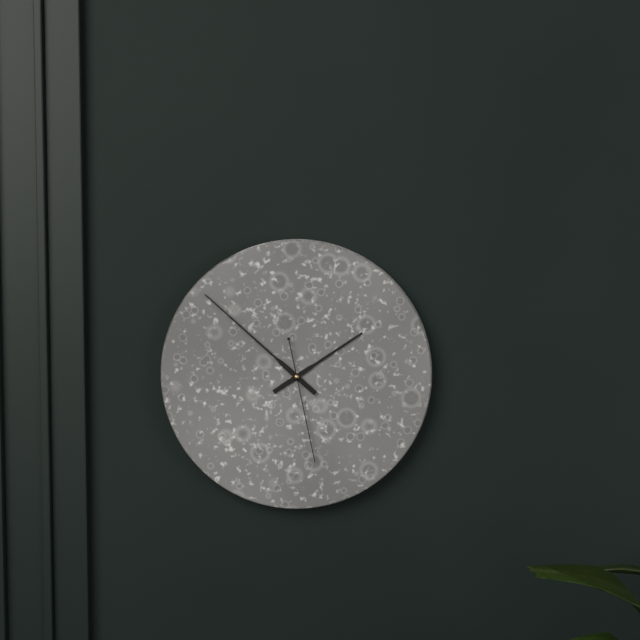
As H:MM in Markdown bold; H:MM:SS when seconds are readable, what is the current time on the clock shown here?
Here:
**1:52:28**
